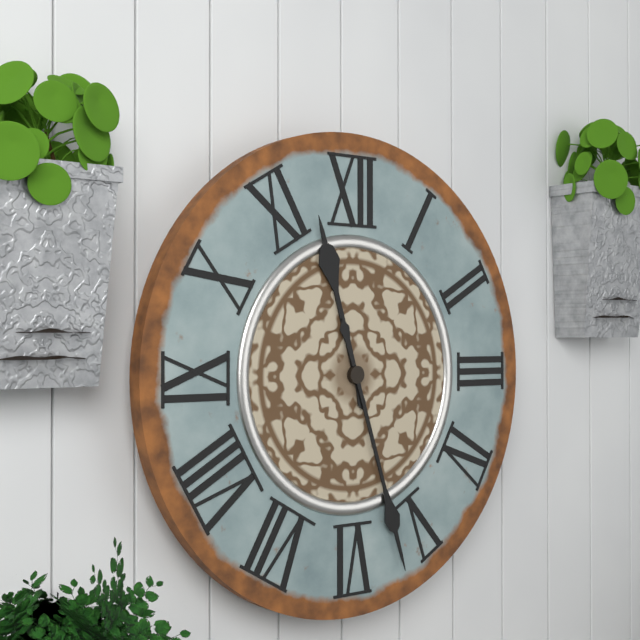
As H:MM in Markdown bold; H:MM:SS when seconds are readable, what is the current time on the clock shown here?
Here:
**11:27**
